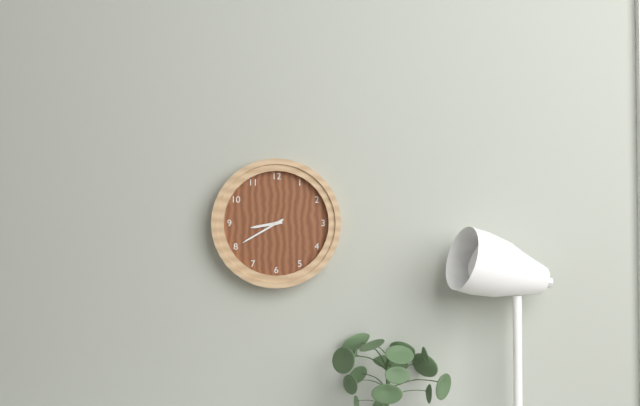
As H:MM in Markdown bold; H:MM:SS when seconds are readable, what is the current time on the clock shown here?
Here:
**8:40**
